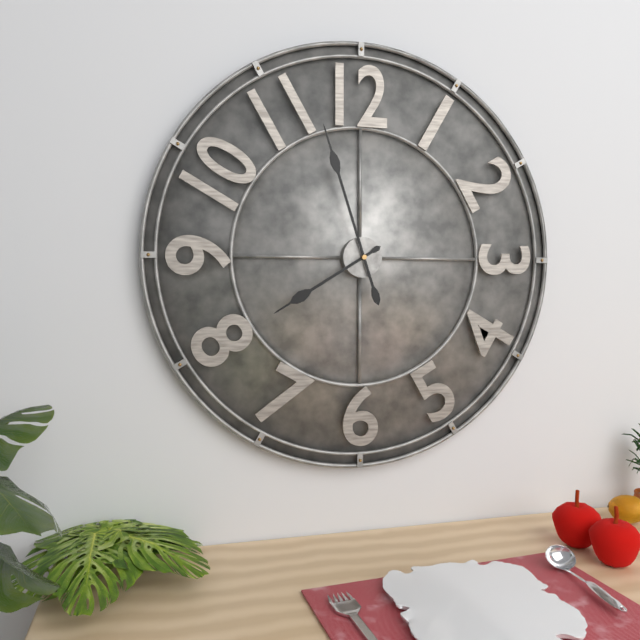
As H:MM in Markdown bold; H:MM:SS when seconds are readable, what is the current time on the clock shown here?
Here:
**7:57**
